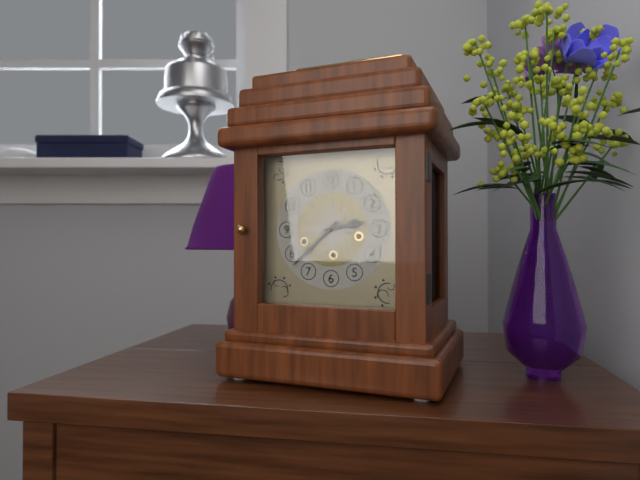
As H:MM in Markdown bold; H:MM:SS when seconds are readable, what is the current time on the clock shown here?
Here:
**2:38**
